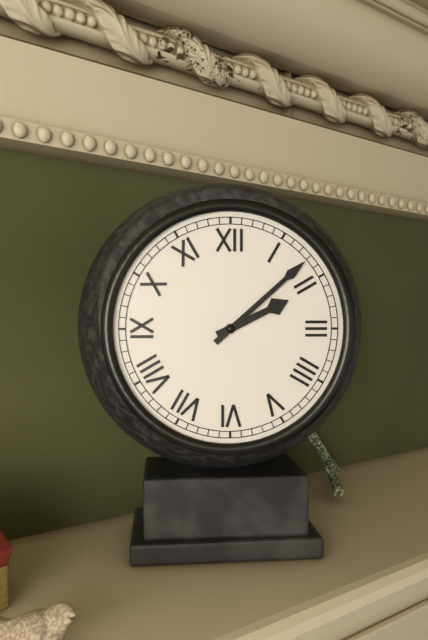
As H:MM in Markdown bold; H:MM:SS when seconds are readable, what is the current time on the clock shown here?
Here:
**2:08**
